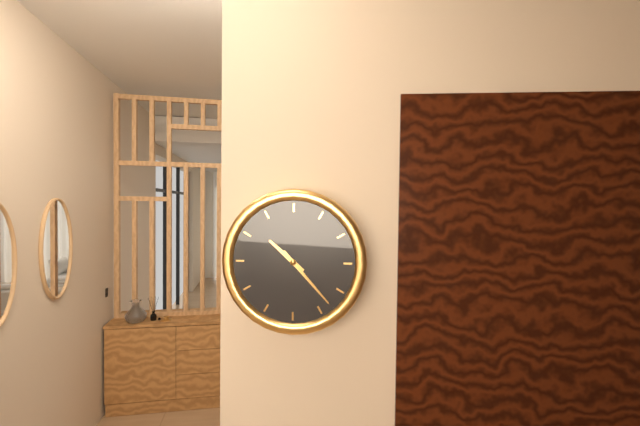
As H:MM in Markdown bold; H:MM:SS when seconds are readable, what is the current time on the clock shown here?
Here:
**10:23**
